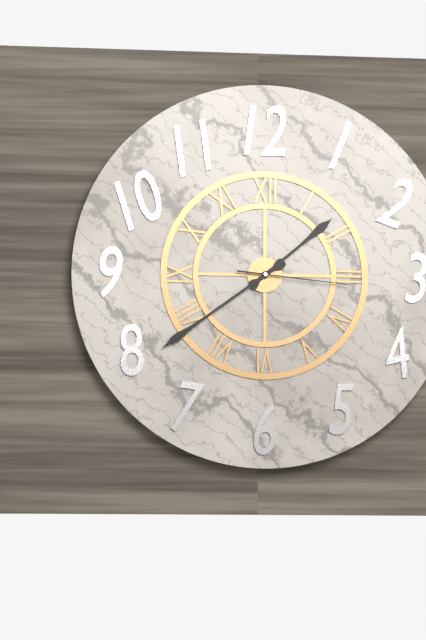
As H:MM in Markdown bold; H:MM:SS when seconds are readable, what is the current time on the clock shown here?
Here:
**1:39:16**
